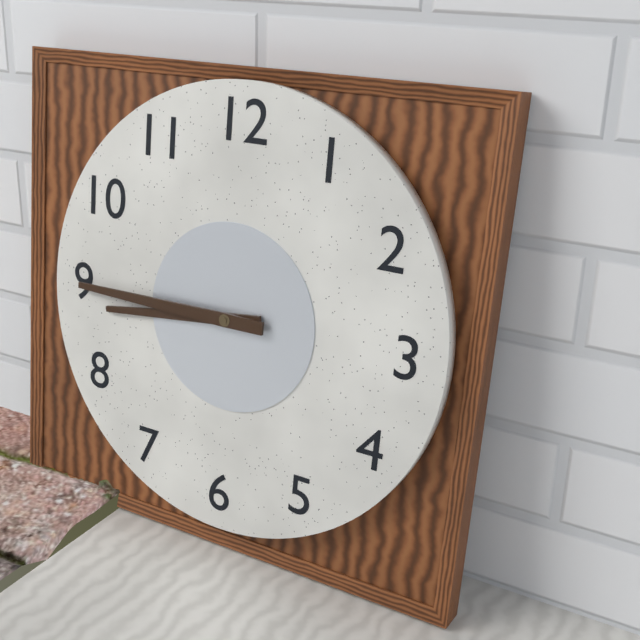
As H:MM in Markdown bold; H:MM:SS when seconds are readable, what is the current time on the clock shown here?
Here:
**8:45**
